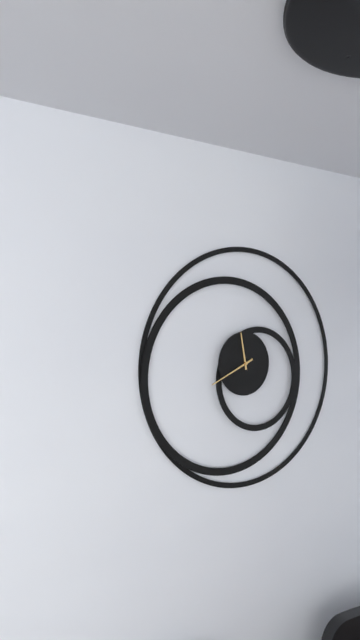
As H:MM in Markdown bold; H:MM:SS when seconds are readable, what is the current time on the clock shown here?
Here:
**11:41**
